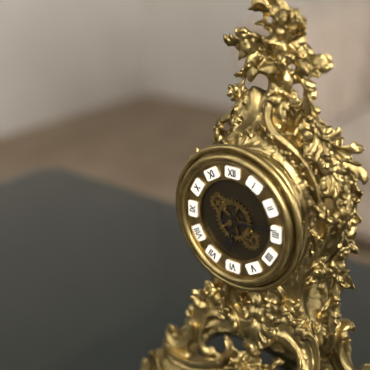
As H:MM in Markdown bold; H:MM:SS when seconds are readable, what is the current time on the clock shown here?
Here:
**6:14**
